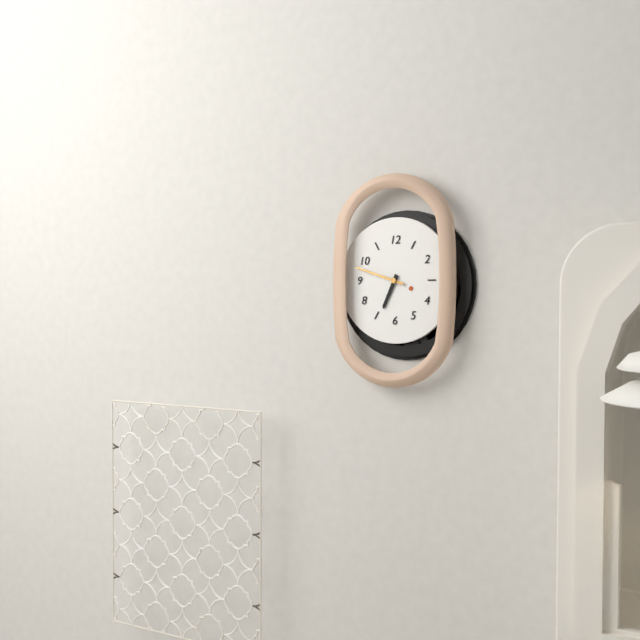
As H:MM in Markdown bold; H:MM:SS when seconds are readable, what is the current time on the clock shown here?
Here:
**6:48**
